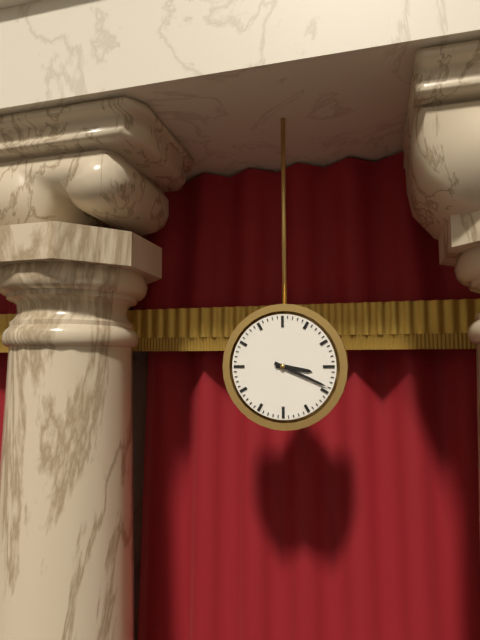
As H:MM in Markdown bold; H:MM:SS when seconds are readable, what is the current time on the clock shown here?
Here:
**3:19**
